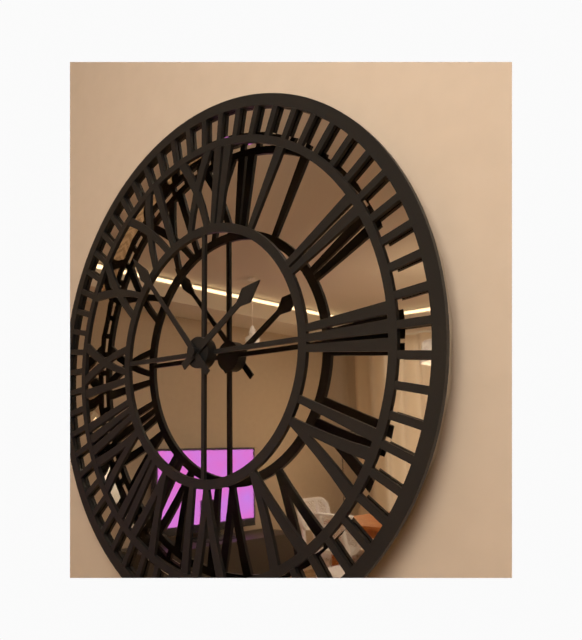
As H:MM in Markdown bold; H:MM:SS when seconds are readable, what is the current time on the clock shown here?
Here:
**1:53**
